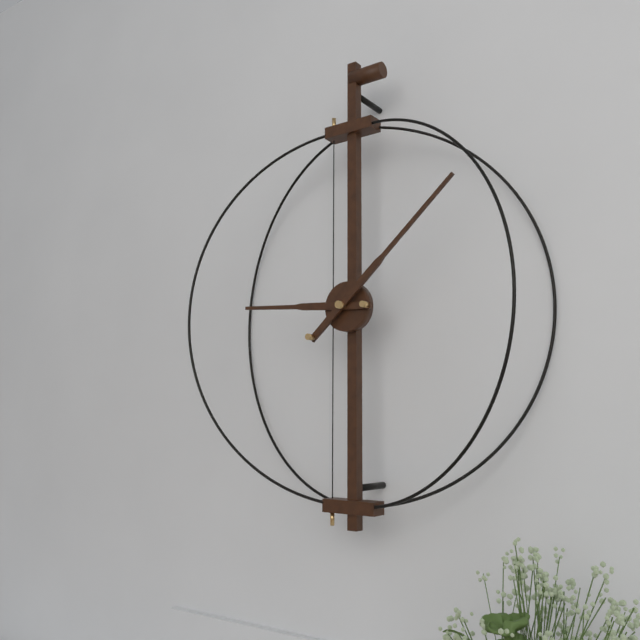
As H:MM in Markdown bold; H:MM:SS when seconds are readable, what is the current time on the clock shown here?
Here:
**9:08**
